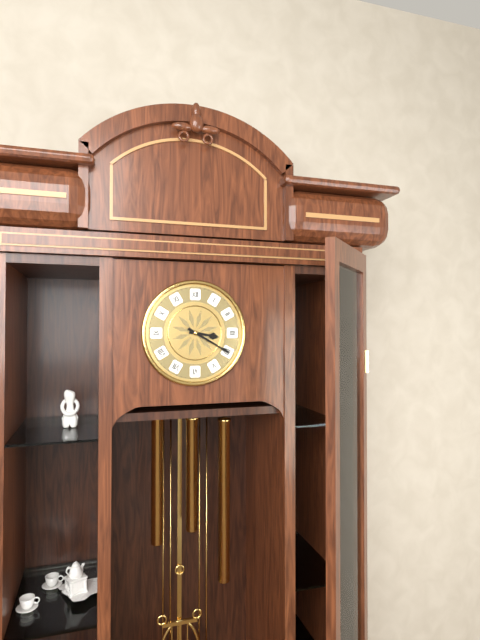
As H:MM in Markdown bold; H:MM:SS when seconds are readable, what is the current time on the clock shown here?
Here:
**3:20**
